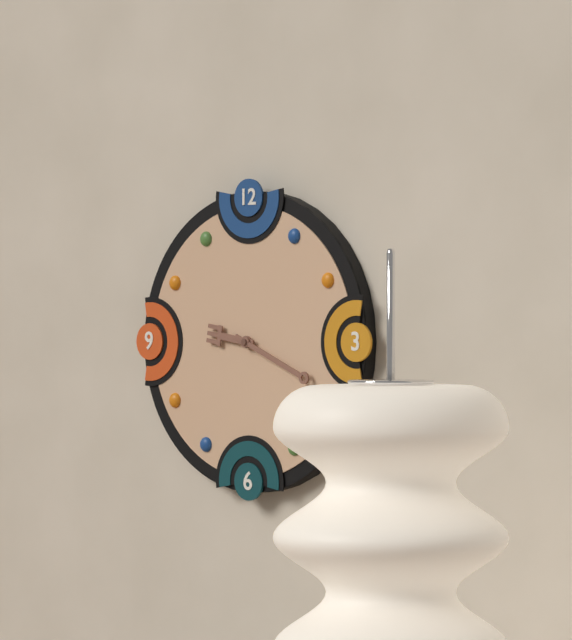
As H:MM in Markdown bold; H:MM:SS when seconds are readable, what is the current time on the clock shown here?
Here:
**9:19**
